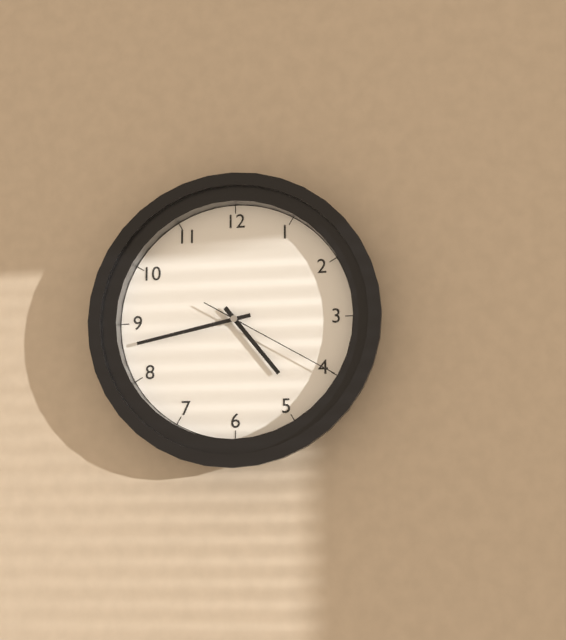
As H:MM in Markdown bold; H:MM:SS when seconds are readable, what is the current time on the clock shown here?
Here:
**4:43:20**
